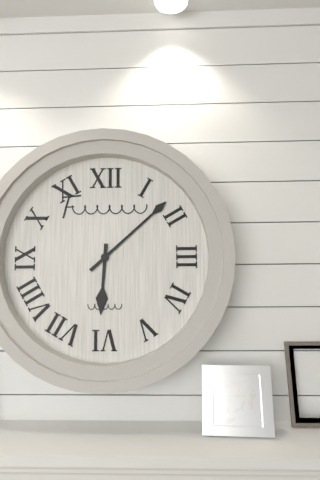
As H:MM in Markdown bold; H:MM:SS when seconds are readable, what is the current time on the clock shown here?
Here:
**6:08**
